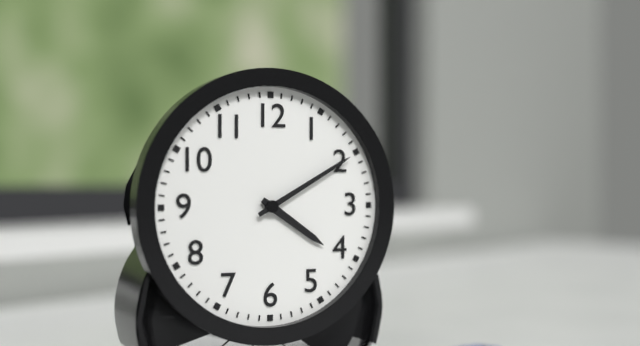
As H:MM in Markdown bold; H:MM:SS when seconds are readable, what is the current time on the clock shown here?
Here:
**4:10**
